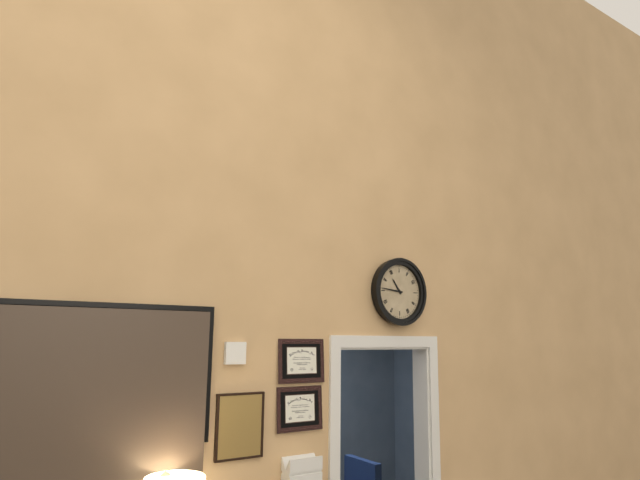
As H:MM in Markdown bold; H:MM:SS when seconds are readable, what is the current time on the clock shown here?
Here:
**10:46**
